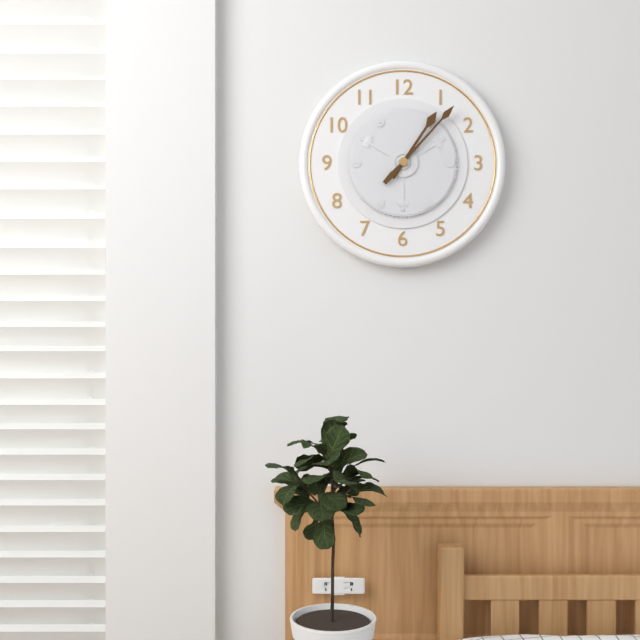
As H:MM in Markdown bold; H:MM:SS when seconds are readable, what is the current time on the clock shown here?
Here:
**1:07**
